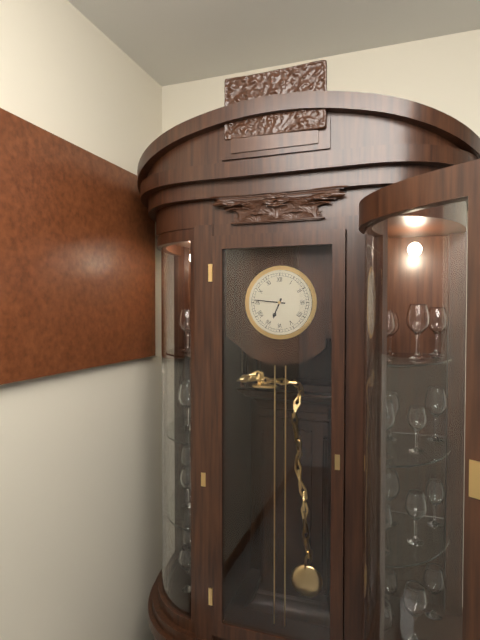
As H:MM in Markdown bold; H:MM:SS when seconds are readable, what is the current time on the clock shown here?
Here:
**6:46**
